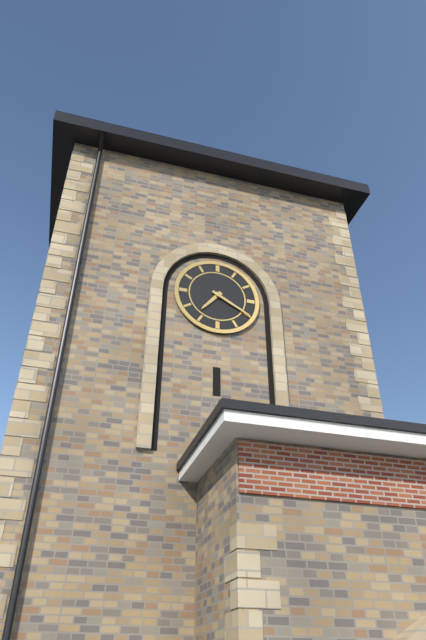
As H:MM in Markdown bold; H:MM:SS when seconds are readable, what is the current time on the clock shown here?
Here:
**7:20**
